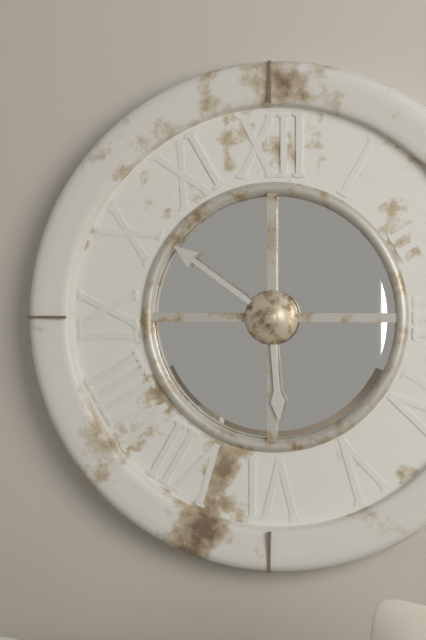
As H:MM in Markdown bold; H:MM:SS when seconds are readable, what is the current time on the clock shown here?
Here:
**5:51**
